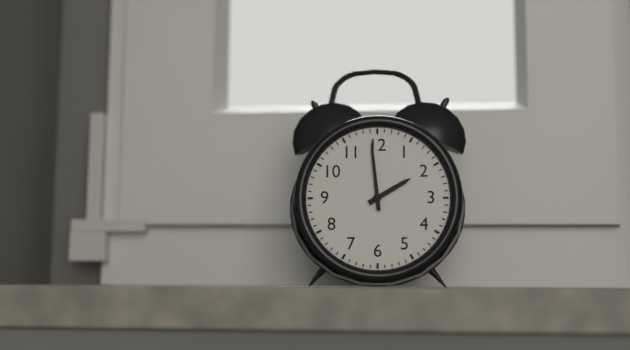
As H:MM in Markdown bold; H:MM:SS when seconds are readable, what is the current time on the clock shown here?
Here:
**1:59**
